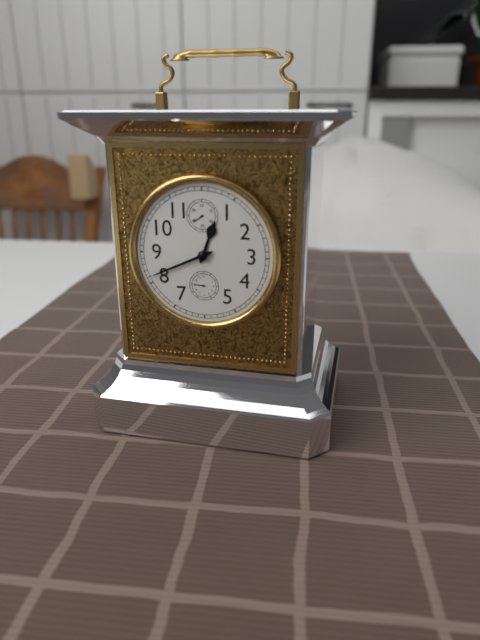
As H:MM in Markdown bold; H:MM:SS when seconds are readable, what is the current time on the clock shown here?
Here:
**12:41**
